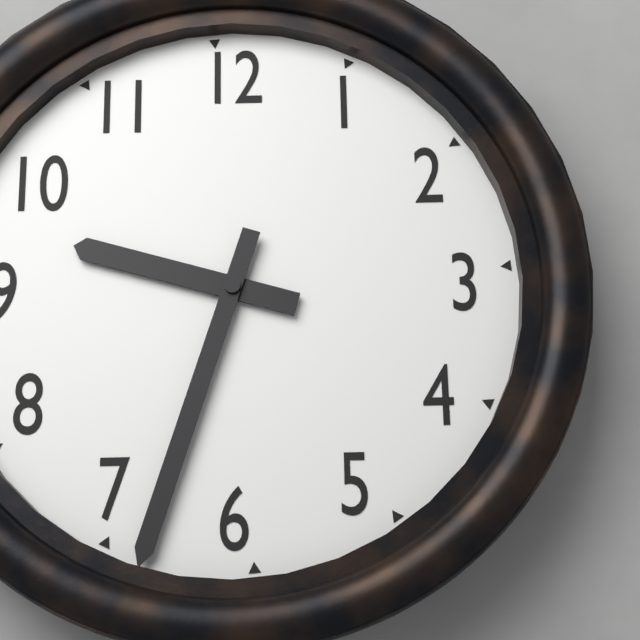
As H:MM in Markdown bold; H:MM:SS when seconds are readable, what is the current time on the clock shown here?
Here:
**9:33**
